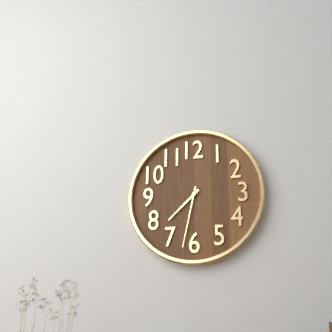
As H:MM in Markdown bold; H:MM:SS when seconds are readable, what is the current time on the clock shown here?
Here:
**7:32**
